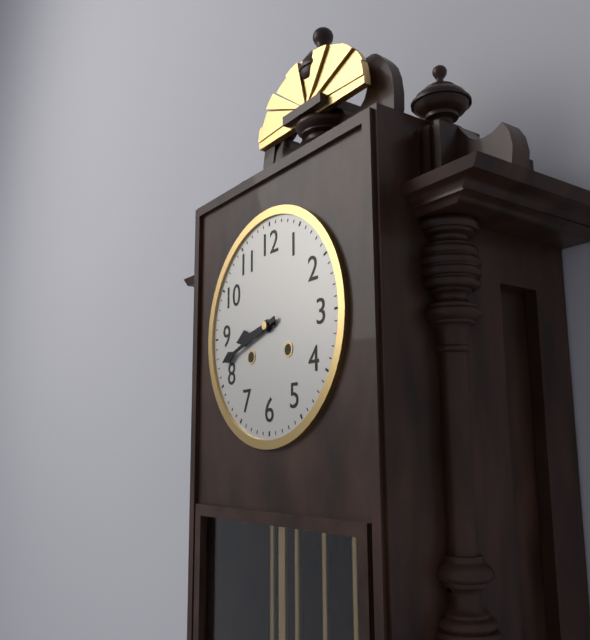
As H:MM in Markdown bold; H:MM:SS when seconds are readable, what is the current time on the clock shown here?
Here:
**8:42**
